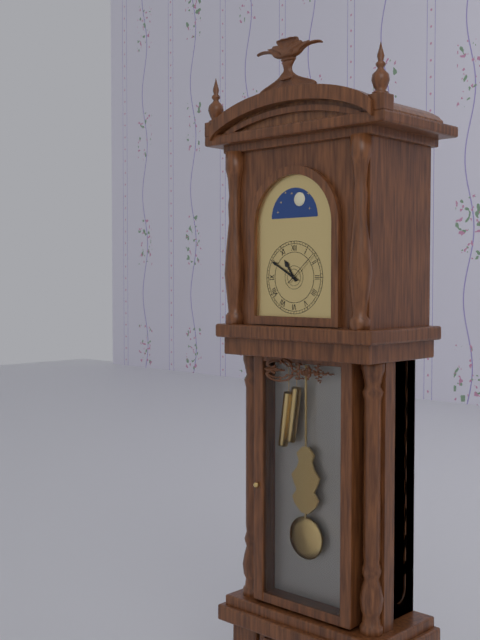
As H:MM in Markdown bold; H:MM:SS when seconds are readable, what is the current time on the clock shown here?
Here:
**10:50**
